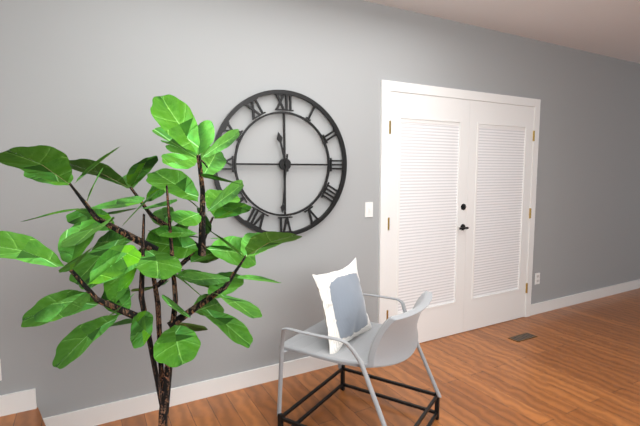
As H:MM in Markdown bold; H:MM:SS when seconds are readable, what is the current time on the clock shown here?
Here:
**11:31**
